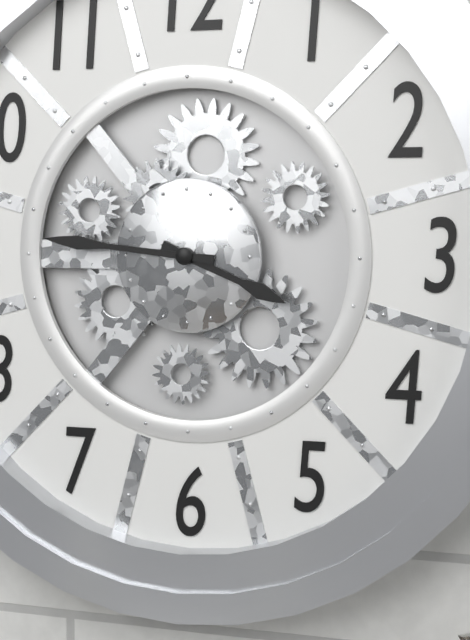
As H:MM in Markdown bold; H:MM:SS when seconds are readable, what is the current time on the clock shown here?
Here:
**3:46**
